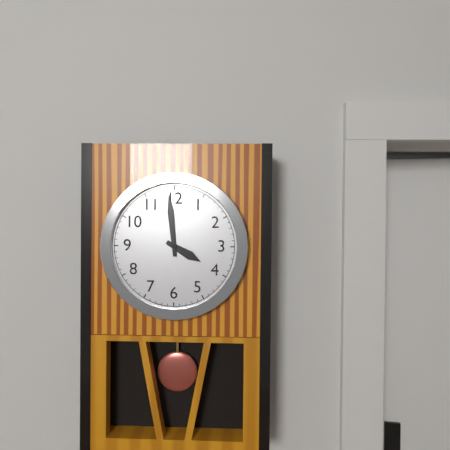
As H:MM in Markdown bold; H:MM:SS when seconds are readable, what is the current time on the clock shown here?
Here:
**3:59**
